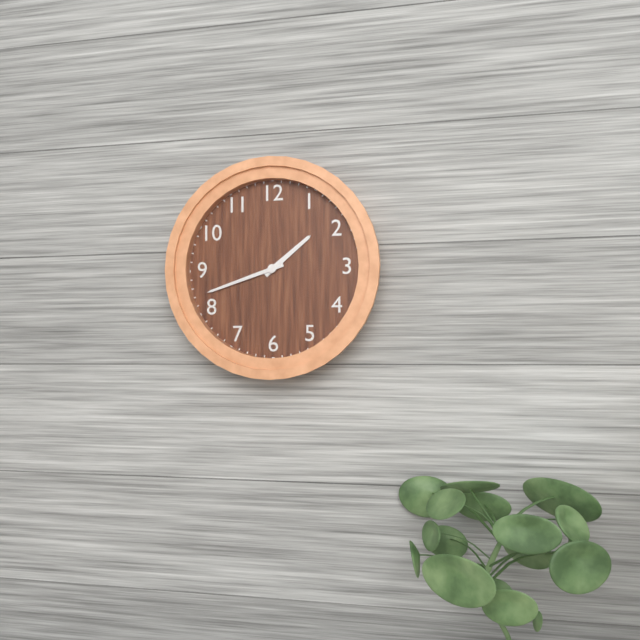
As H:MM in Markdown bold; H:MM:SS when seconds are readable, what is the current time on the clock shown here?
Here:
**1:42**
